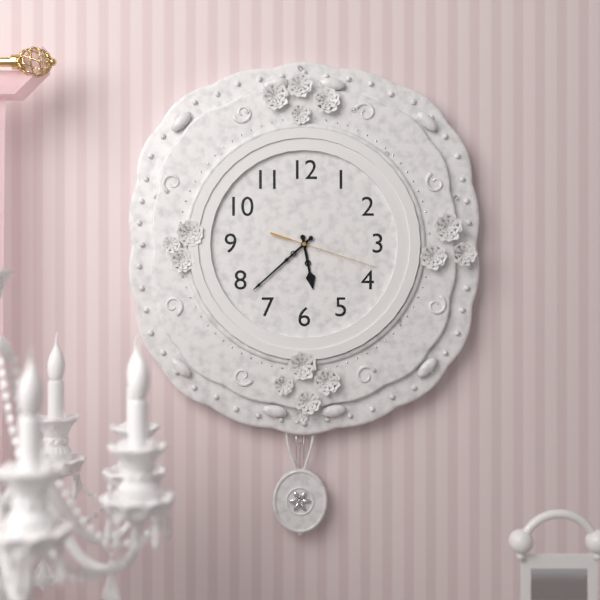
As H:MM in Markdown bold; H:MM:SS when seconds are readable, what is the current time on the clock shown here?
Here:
**5:38:18**
